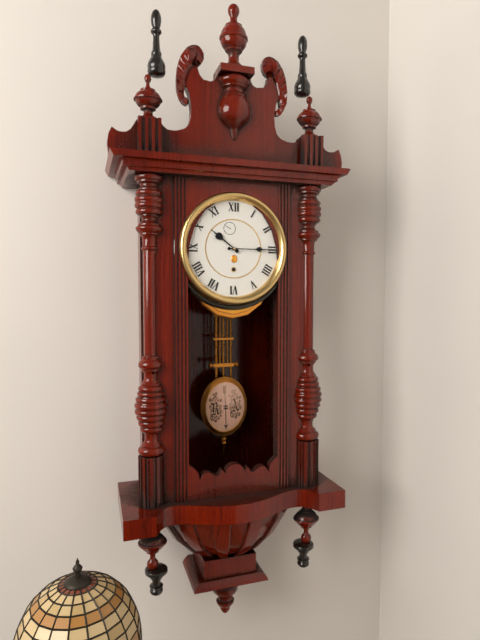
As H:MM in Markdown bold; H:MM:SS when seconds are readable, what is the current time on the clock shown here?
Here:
**10:15**
